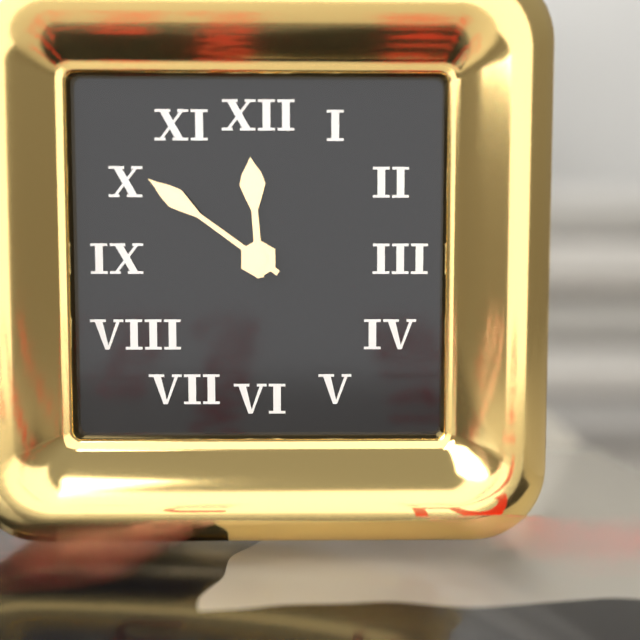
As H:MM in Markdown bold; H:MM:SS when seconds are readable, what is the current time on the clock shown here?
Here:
**11:51**
